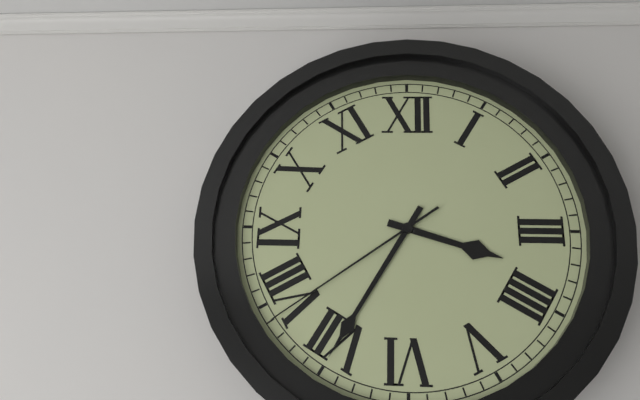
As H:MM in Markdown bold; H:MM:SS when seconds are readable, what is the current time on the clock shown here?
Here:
**3:35:39**
